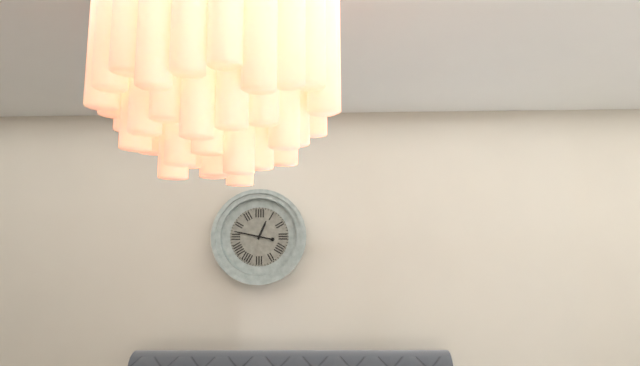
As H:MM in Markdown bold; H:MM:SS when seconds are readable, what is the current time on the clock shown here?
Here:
**12:47**
